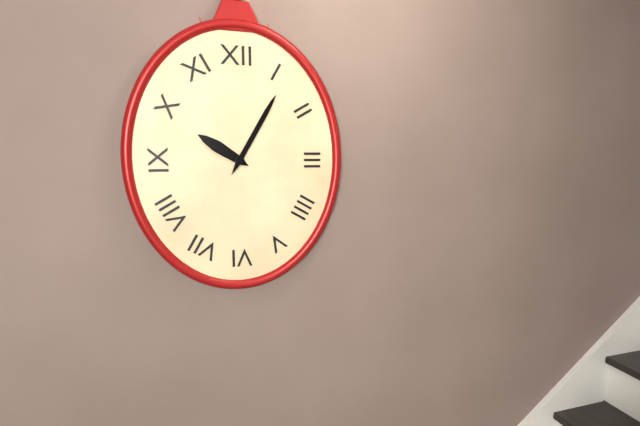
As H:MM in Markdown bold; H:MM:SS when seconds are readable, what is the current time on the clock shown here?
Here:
**10:05**
